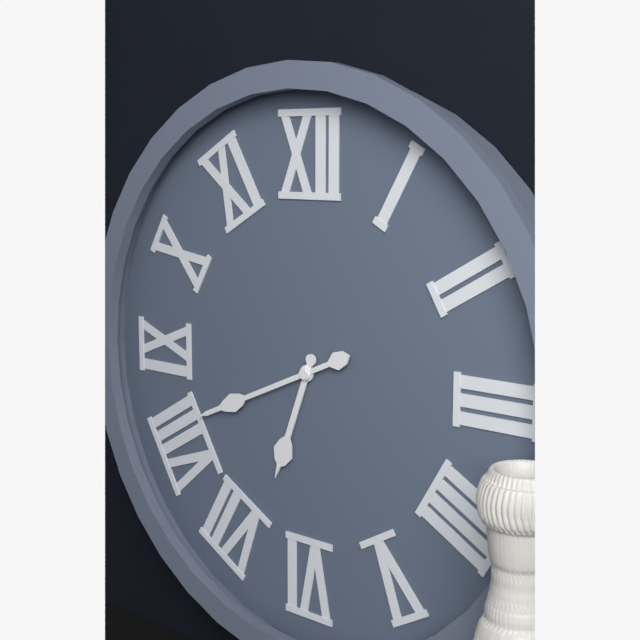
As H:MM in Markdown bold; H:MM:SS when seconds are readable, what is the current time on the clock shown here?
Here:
**6:41**
